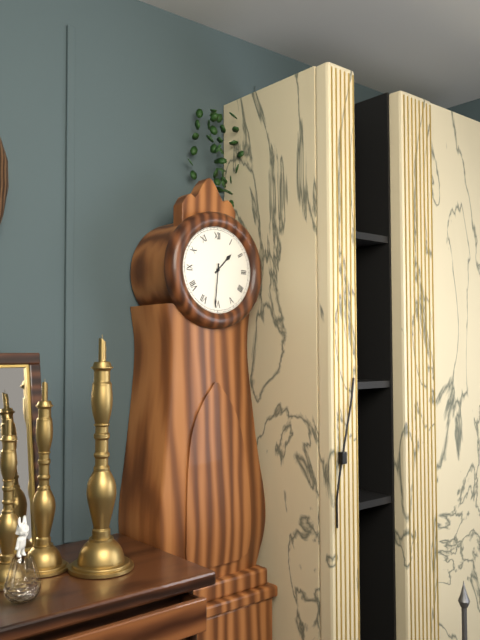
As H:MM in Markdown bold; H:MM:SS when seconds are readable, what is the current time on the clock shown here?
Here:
**1:31**
